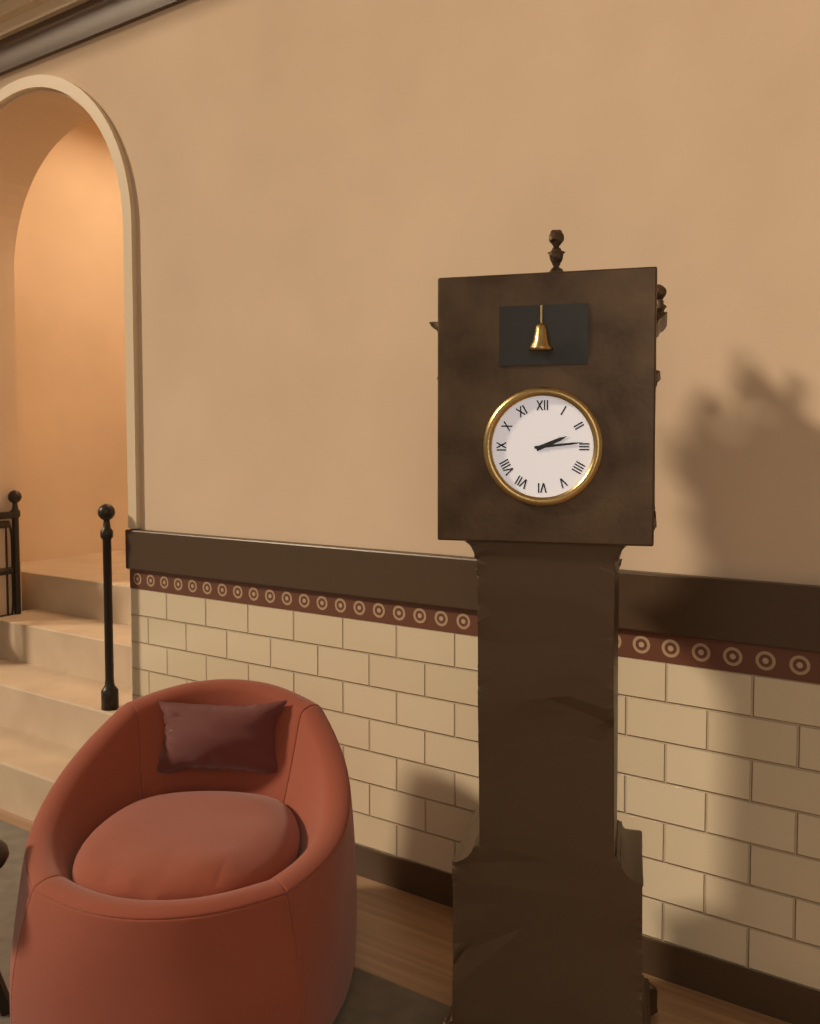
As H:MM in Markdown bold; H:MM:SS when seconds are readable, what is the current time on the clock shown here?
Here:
**2:14**
